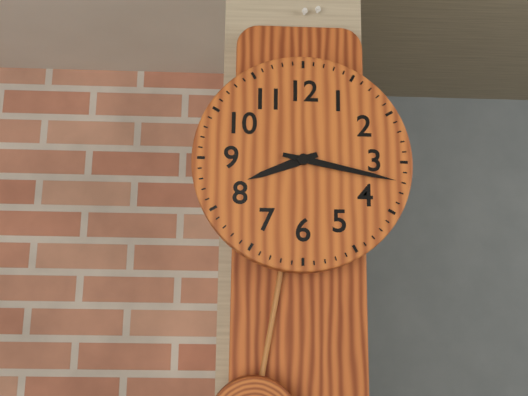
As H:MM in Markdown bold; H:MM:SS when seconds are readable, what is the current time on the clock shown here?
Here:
**8:17**
